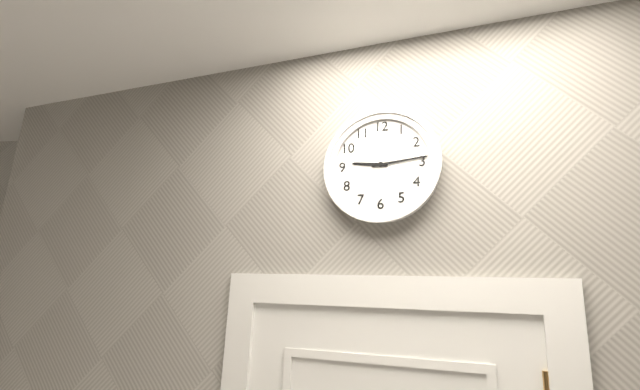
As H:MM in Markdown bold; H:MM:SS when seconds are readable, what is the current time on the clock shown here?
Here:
**9:14**
